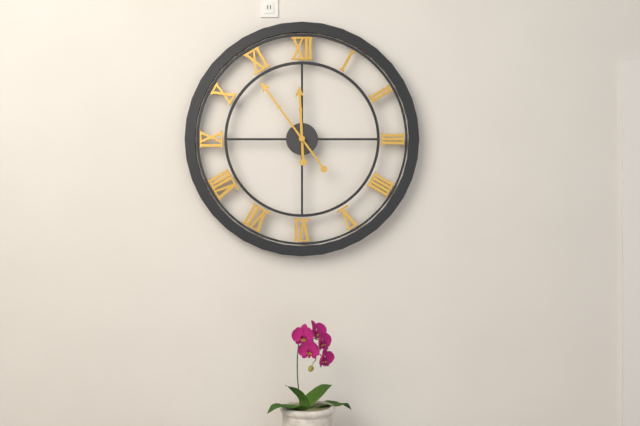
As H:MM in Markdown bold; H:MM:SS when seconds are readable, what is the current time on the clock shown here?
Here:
**11:54**
